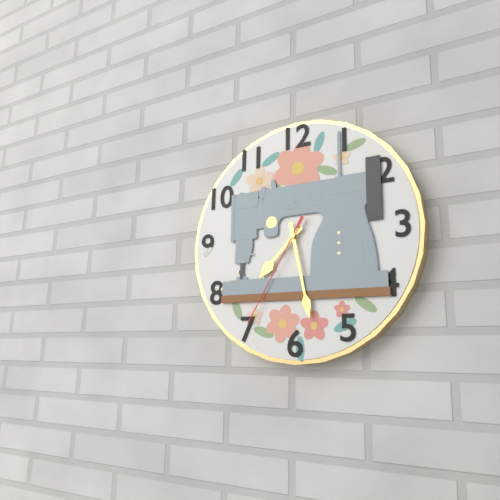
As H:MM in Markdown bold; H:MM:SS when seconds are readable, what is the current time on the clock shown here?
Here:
**7:28:35**
